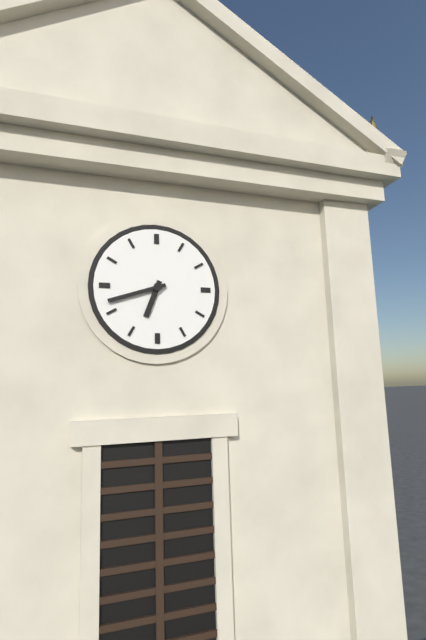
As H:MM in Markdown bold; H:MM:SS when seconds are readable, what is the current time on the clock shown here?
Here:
**6:42**
